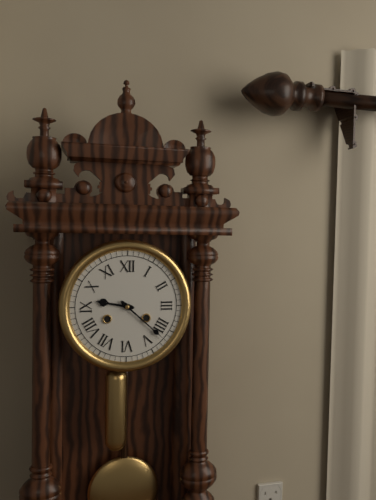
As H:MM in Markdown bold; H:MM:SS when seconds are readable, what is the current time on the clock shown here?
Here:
**9:22**
